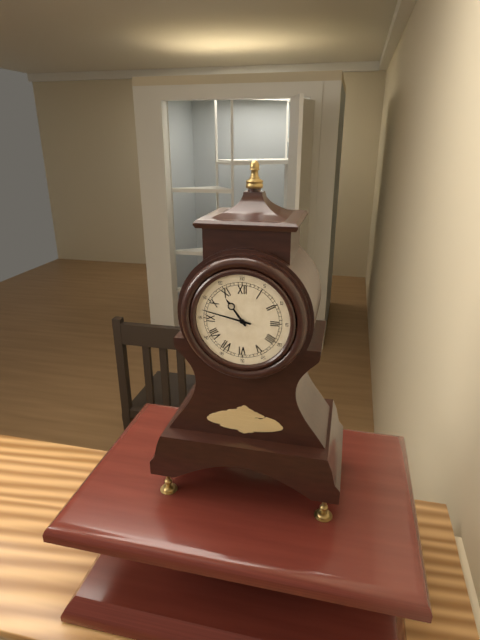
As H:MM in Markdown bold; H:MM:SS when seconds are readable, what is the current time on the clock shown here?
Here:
**10:47**
